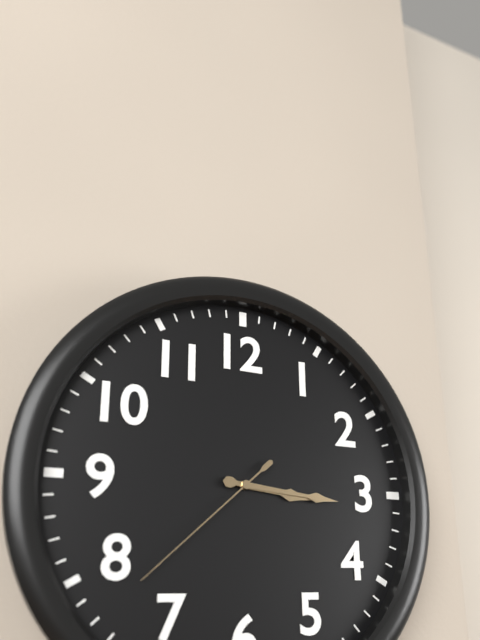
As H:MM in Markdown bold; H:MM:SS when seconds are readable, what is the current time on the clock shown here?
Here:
**3:16:38**
